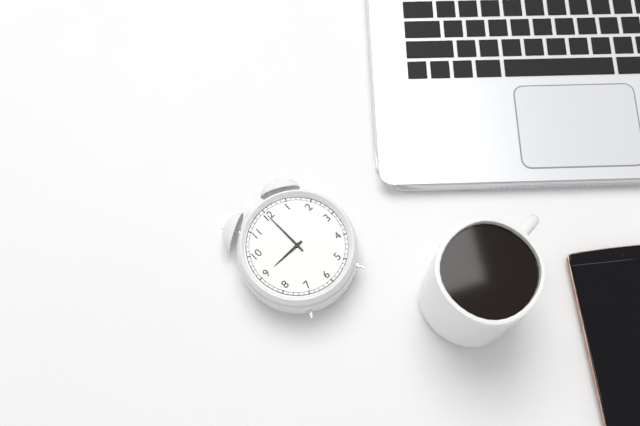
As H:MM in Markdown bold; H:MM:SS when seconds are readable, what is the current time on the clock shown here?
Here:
**9:00**
